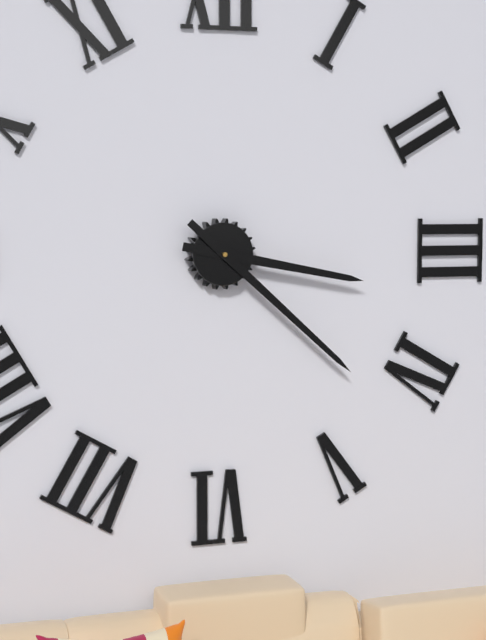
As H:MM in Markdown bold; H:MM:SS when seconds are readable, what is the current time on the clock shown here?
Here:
**3:22**
